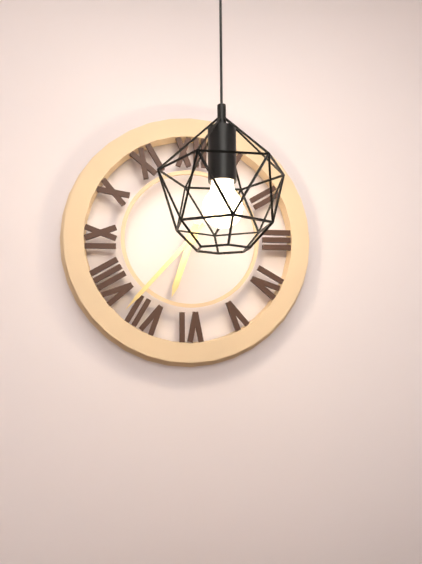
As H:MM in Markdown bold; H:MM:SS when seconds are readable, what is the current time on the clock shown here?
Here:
**6:37**
